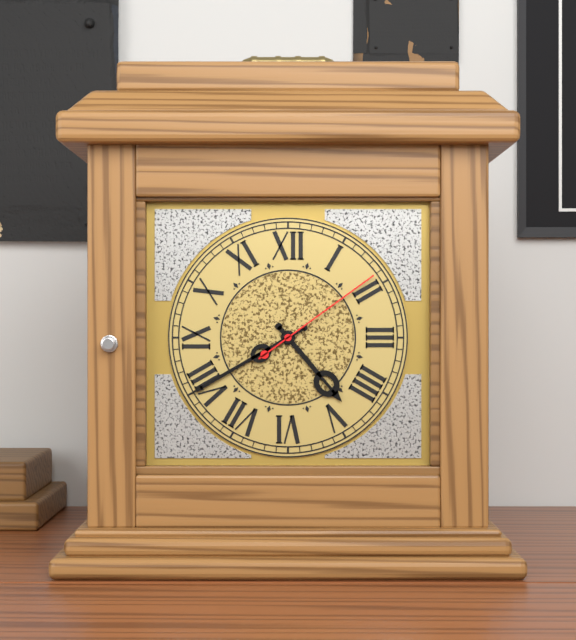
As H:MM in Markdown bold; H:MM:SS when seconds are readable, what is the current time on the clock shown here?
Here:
**4:40:09**
